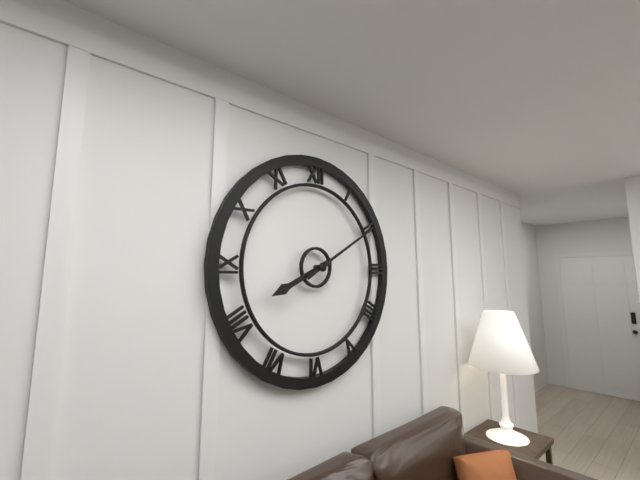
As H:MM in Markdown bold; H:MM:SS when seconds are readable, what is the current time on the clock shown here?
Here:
**8:10**
